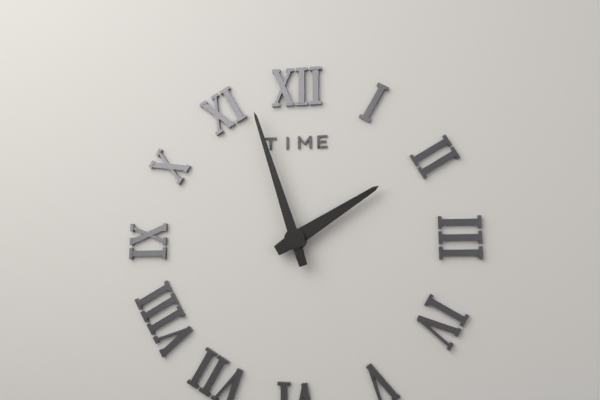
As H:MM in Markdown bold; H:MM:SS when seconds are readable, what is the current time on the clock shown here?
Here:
**1:57**
